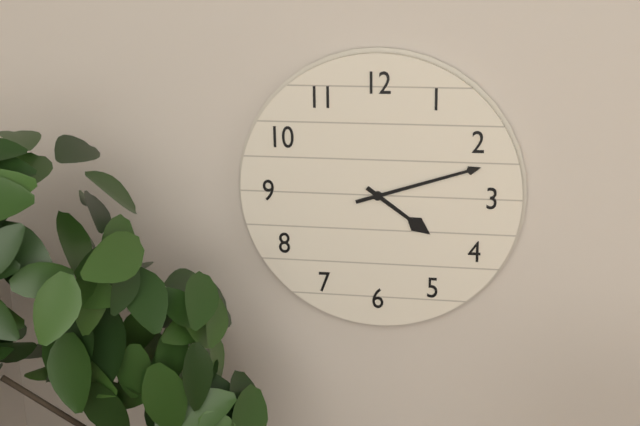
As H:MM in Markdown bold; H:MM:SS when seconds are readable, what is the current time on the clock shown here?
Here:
**4:12**
